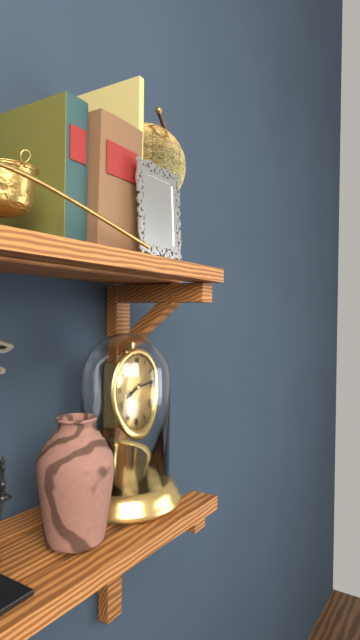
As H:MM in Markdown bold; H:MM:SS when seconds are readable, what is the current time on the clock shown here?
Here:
**8:14**
